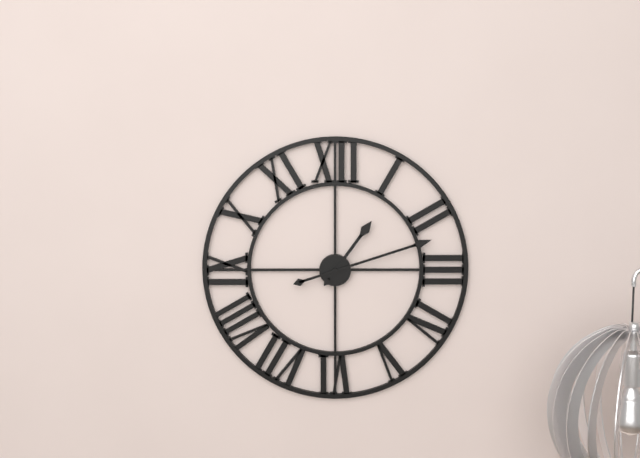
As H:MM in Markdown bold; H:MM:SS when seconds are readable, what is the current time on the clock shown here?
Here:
**1:12**
